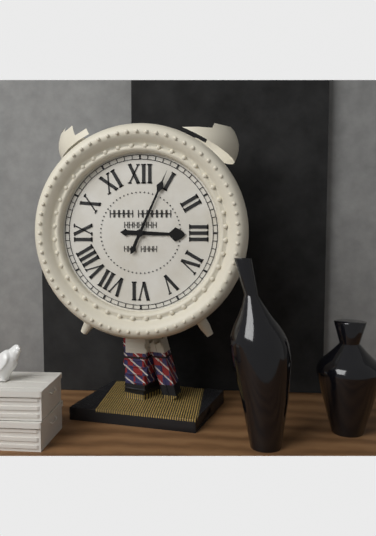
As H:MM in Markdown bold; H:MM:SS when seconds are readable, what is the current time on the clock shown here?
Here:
**3:04**
